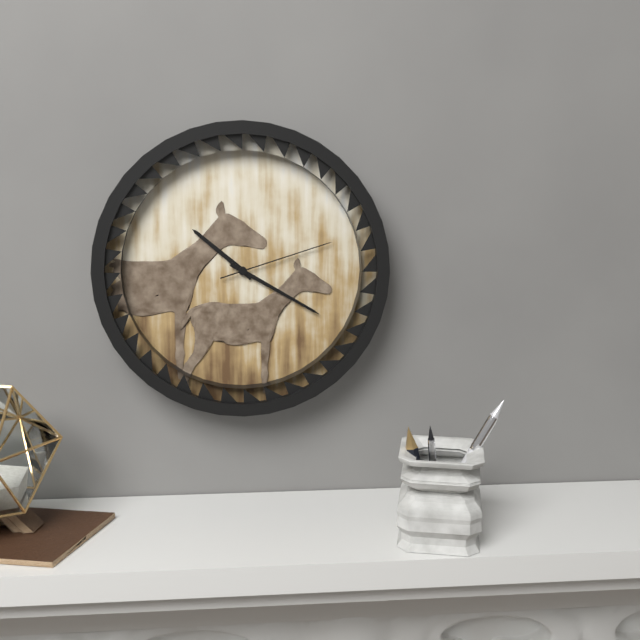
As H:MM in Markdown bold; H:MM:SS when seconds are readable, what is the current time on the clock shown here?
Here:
**10:20:12**
